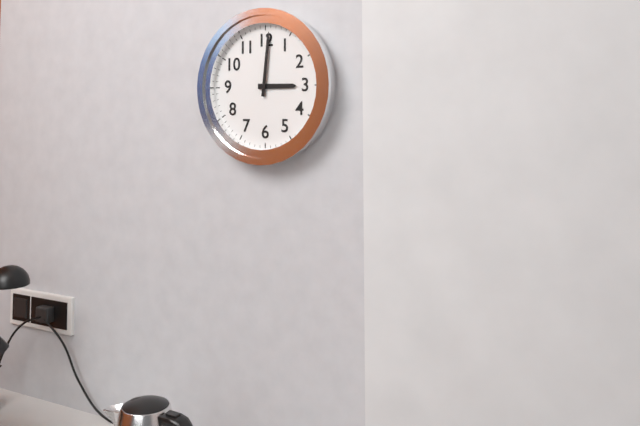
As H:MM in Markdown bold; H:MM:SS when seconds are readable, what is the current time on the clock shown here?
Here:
**3:01**
